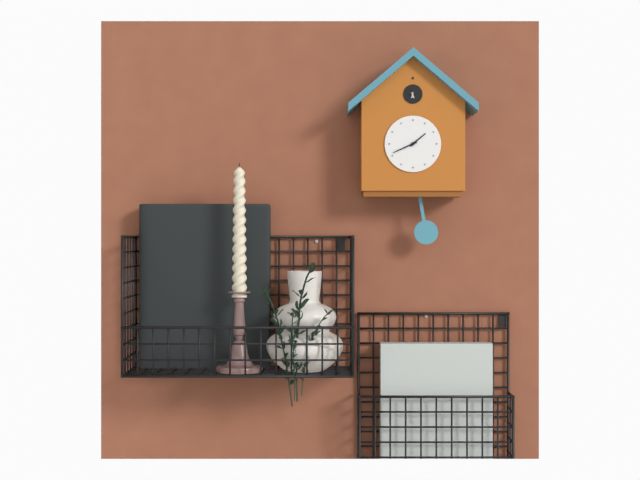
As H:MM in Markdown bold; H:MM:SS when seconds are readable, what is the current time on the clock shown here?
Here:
**1:41**
